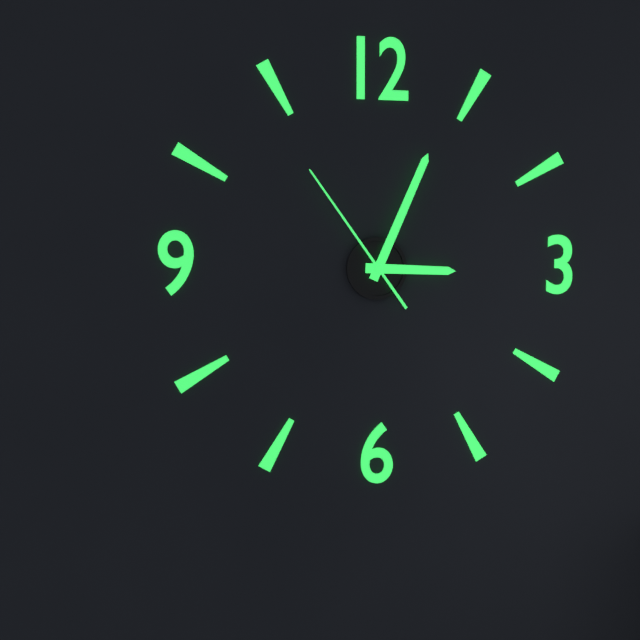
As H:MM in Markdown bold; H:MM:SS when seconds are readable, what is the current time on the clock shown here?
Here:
**3:04:54**
